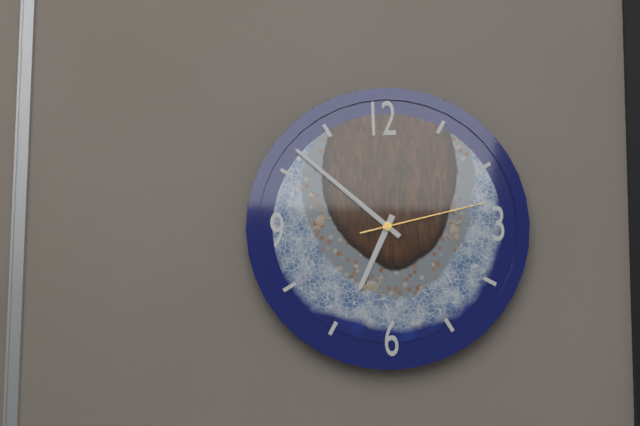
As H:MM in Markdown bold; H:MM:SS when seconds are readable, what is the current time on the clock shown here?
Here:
**6:52:13**
